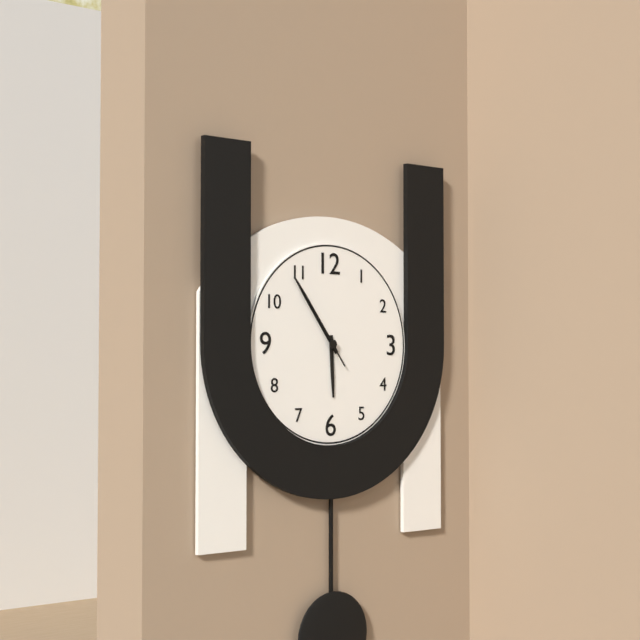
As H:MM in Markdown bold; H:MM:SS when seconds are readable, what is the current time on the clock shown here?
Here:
**5:54:54**
